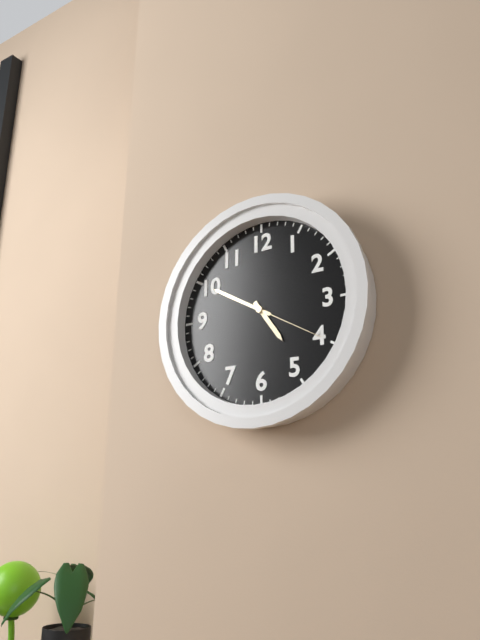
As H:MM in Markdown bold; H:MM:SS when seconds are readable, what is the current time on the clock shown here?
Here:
**4:50:20**
